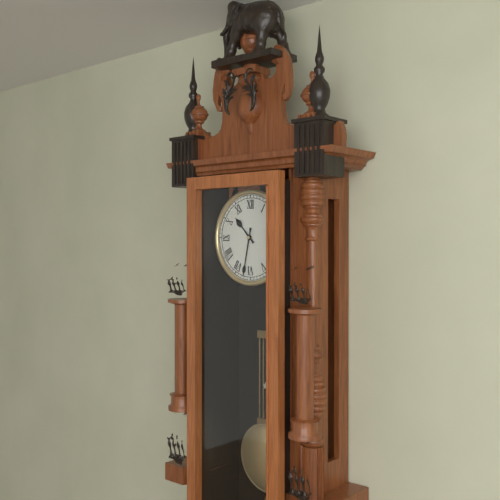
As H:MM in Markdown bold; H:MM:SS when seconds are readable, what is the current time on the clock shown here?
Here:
**10:32**
